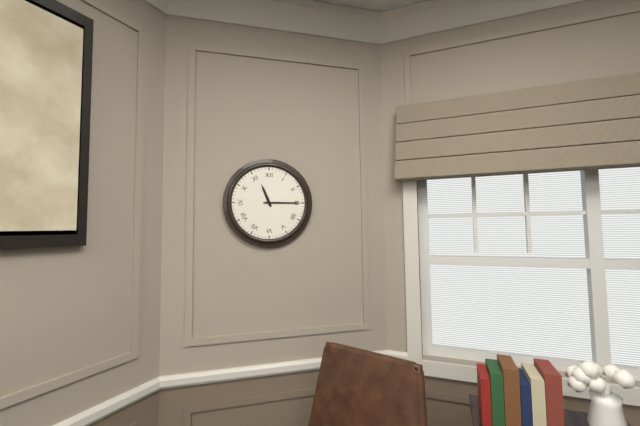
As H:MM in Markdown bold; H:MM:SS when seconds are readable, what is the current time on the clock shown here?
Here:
**11:15**
